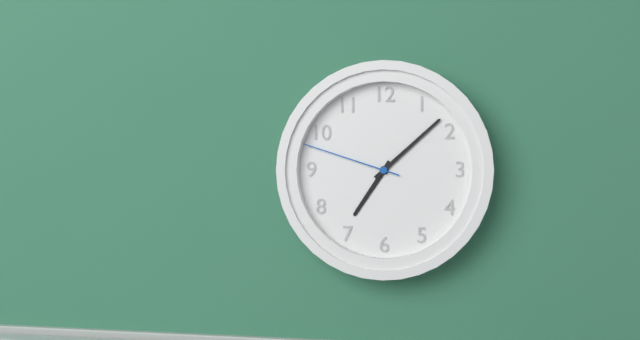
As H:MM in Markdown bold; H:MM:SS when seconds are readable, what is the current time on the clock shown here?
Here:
**7:08:48**
